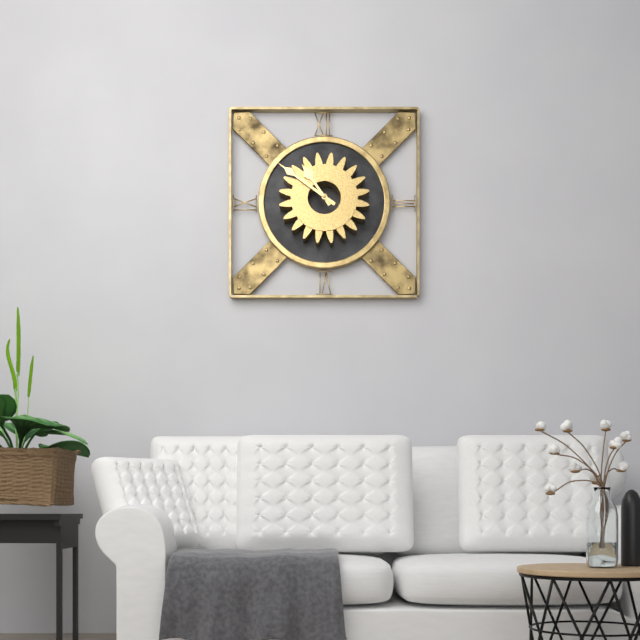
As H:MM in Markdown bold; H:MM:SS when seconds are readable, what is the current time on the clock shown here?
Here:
**10:51**
